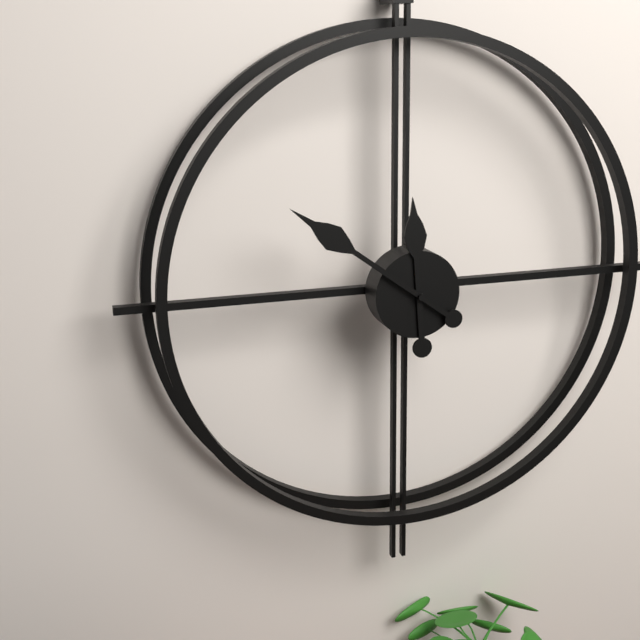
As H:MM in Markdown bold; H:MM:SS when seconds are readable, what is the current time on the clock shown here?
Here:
**11:51**
